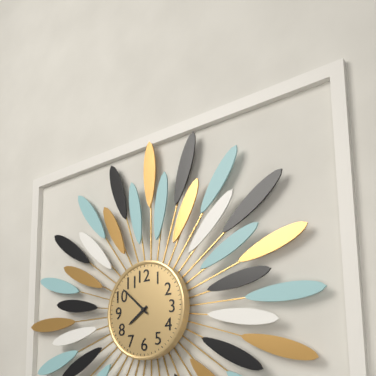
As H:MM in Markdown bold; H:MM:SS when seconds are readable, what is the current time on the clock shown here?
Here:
**7:52**
